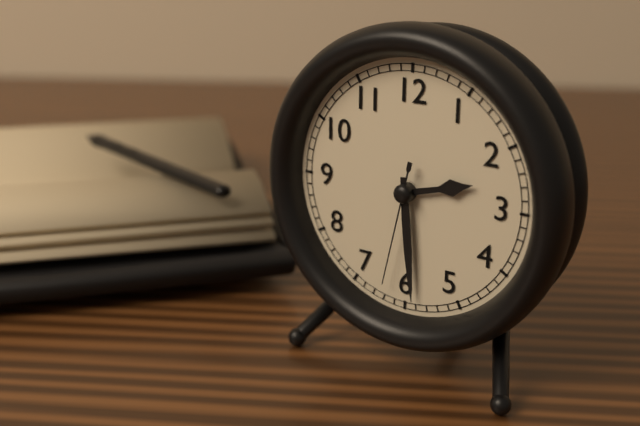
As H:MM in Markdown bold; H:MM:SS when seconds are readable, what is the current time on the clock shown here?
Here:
**2:29:32**
